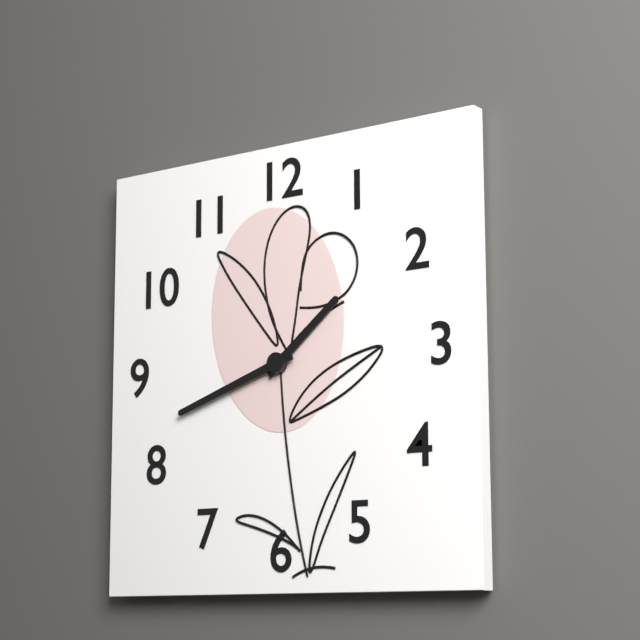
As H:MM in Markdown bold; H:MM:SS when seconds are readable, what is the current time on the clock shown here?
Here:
**1:42**
